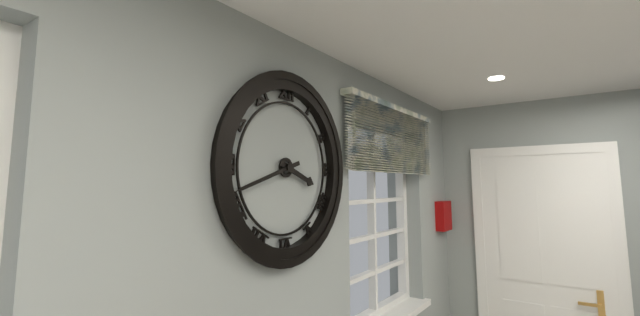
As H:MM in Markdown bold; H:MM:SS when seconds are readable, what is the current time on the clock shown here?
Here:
**3:42**
